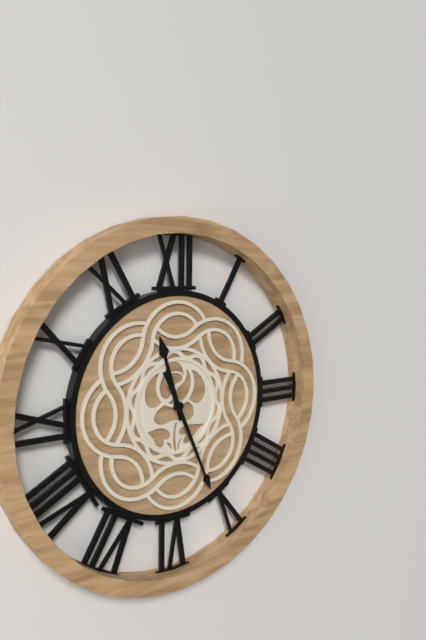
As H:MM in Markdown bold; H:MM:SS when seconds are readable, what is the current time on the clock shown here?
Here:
**11:26**
